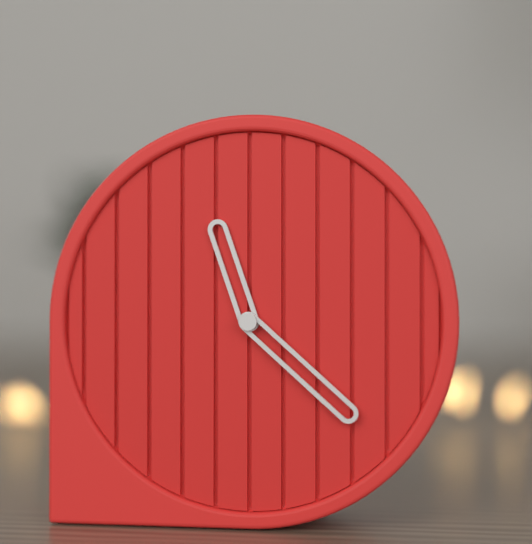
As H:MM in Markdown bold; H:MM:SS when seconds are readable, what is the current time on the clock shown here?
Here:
**11:22**
